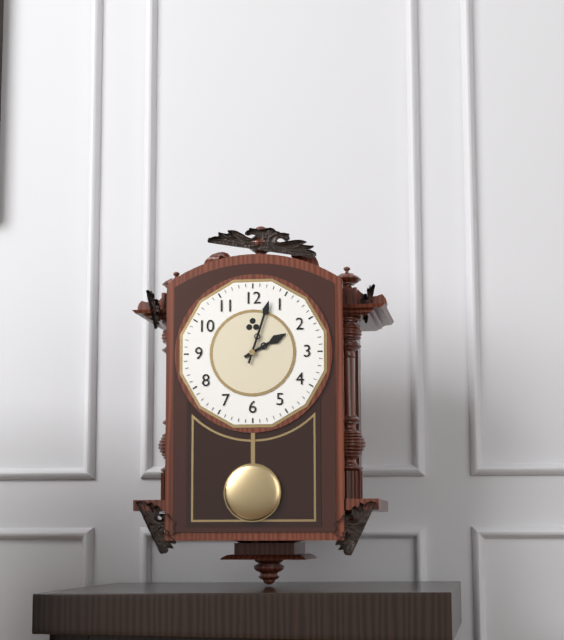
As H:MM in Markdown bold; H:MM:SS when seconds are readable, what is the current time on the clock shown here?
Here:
**2:03**
